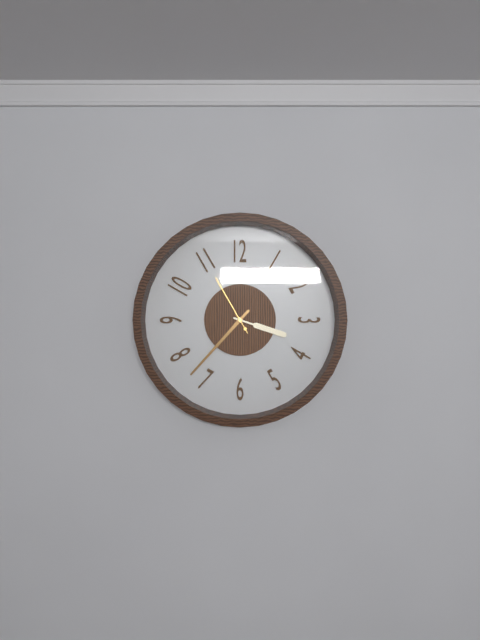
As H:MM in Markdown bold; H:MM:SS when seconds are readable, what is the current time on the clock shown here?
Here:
**3:37:55**
